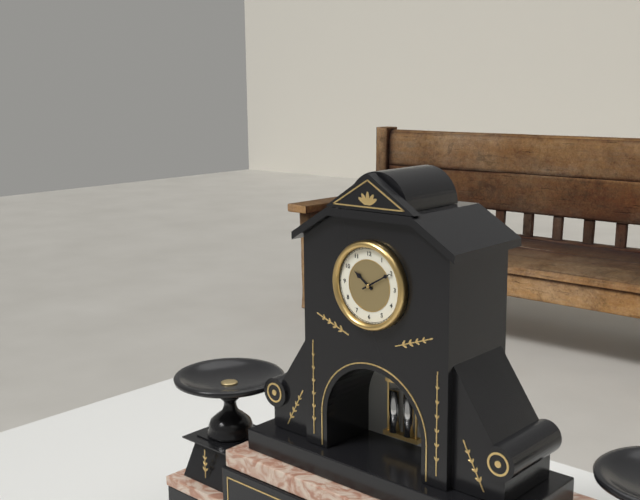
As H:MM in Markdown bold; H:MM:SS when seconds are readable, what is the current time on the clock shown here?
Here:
**10:10**
